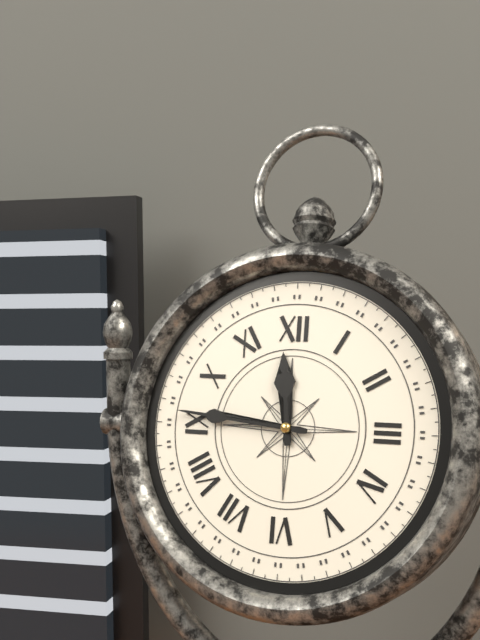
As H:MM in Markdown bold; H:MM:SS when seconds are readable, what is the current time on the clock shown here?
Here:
**11:46**
